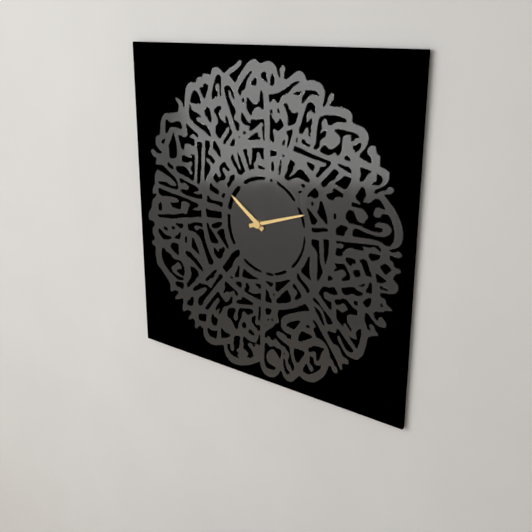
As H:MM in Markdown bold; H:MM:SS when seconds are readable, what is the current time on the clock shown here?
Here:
**10:12**
